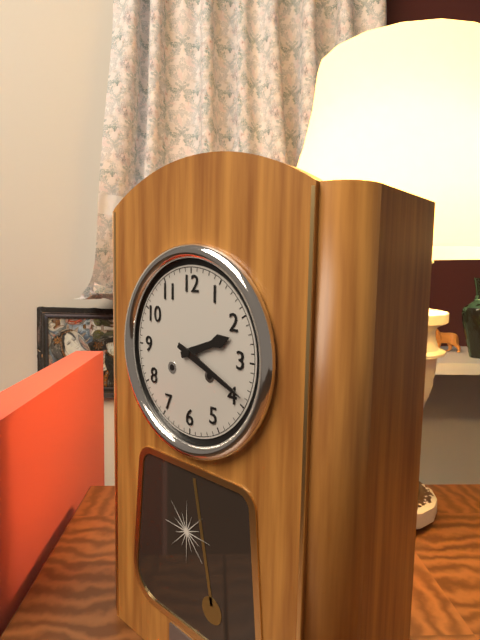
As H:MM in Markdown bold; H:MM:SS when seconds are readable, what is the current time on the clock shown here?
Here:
**2:19**
